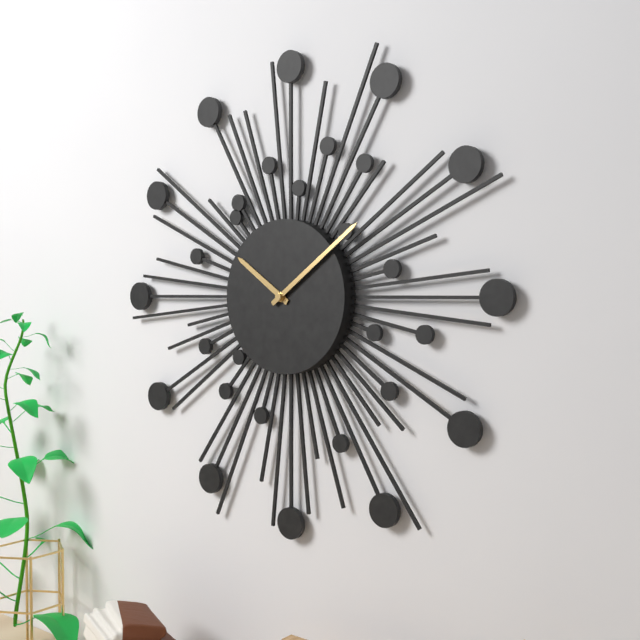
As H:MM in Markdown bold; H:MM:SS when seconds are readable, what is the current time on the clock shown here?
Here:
**10:09**
